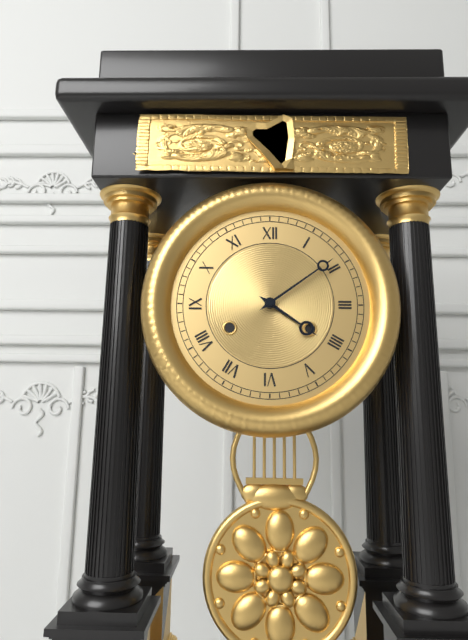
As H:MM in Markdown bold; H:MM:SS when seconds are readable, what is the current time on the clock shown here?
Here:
**4:09**
